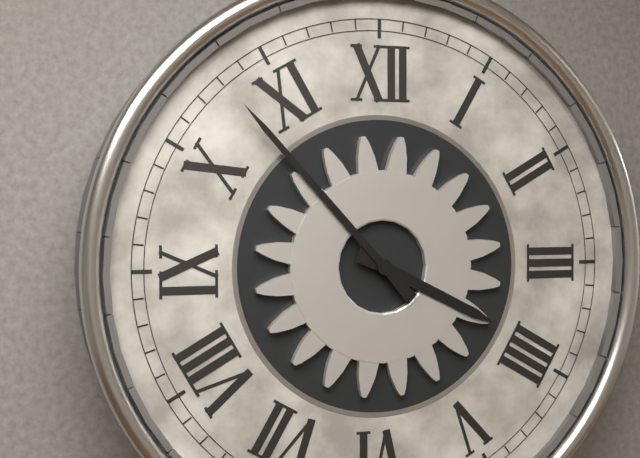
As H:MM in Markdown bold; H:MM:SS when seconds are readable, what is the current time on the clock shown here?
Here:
**3:53**
